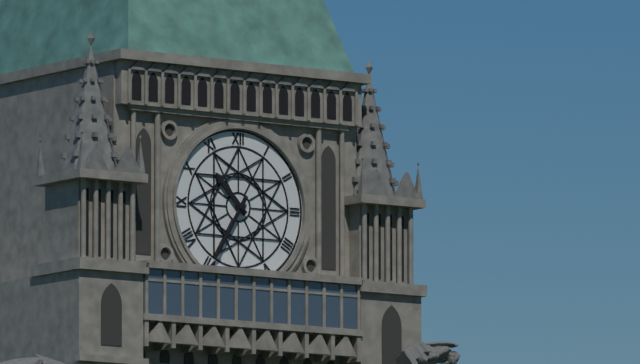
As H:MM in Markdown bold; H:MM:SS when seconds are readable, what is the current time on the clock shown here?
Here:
**10:35**
